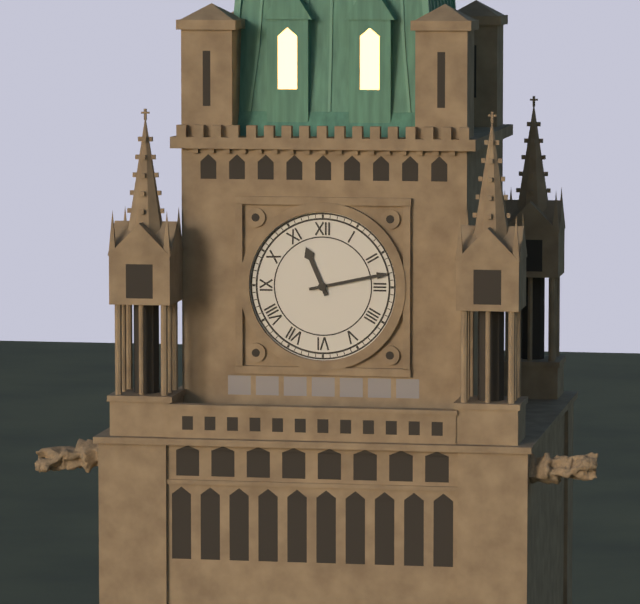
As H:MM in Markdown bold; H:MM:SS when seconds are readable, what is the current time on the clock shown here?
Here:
**11:13**
